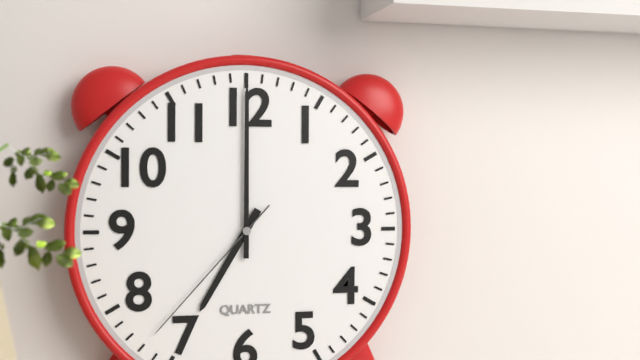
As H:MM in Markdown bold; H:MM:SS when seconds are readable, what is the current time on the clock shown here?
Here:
**7:00:37**
